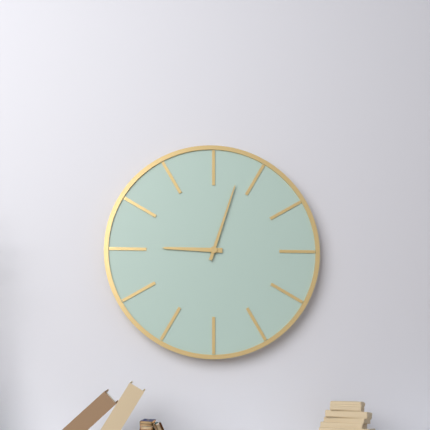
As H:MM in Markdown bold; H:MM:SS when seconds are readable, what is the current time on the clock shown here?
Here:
**9:03**
